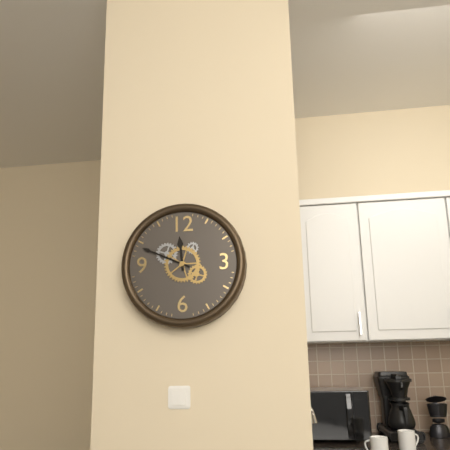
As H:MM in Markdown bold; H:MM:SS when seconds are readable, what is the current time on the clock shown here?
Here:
**11:49**
